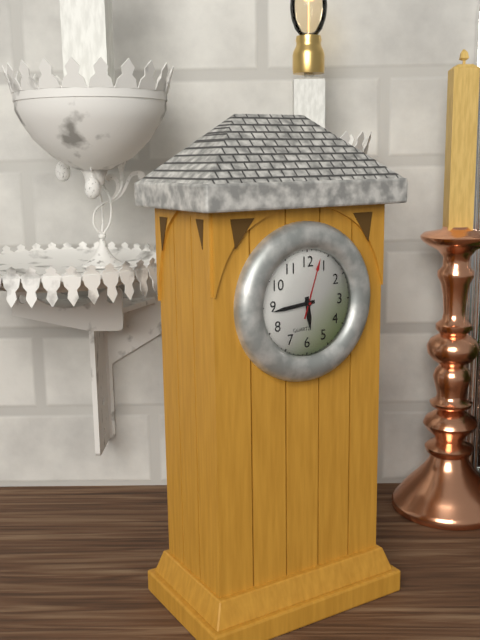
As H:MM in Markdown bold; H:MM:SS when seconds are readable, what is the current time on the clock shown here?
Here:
**5:44:03**
